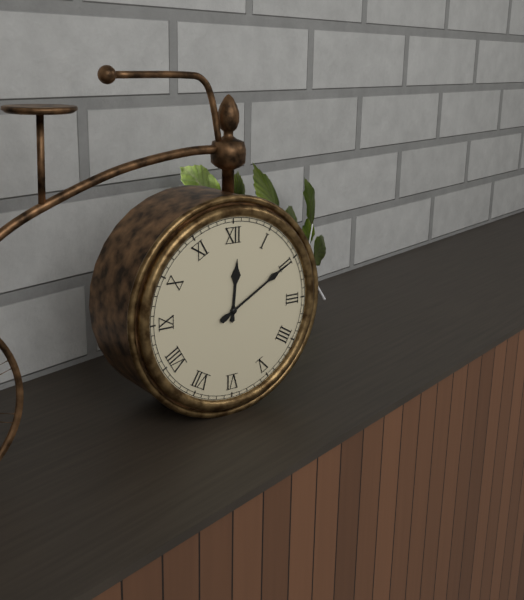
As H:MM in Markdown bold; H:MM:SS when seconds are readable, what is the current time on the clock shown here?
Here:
**12:10**
